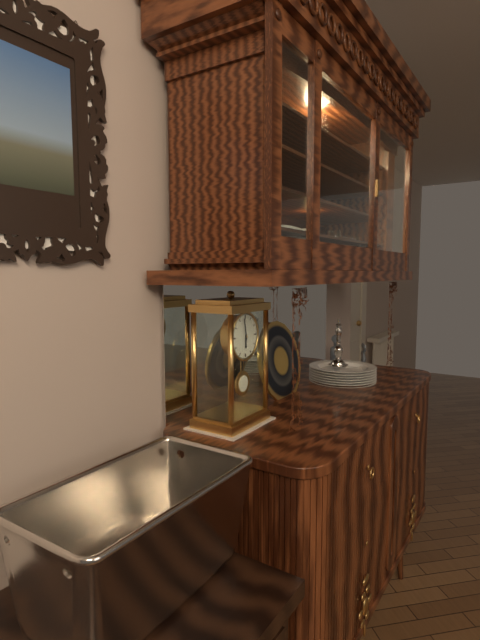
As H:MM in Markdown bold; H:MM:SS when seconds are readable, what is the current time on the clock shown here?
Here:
**5:58**
